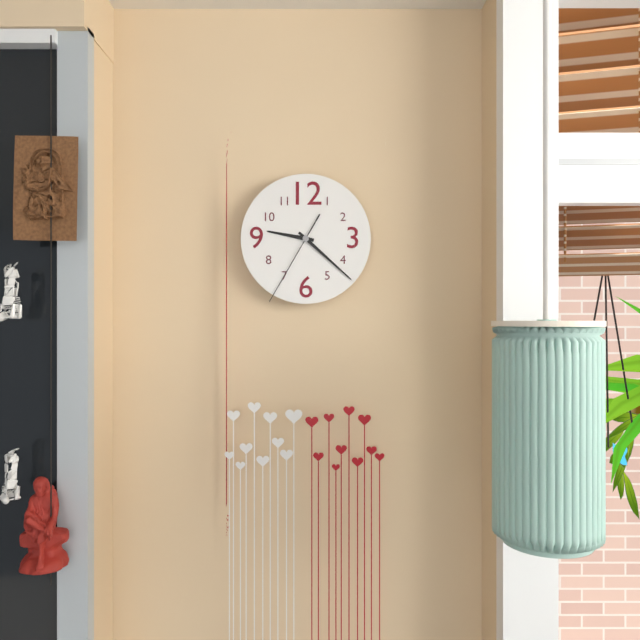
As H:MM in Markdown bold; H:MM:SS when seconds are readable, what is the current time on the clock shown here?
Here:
**9:22:35**
